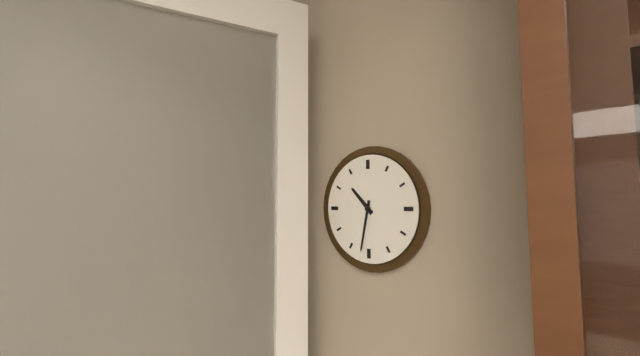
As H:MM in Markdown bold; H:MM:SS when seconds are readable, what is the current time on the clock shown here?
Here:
**10:32**
